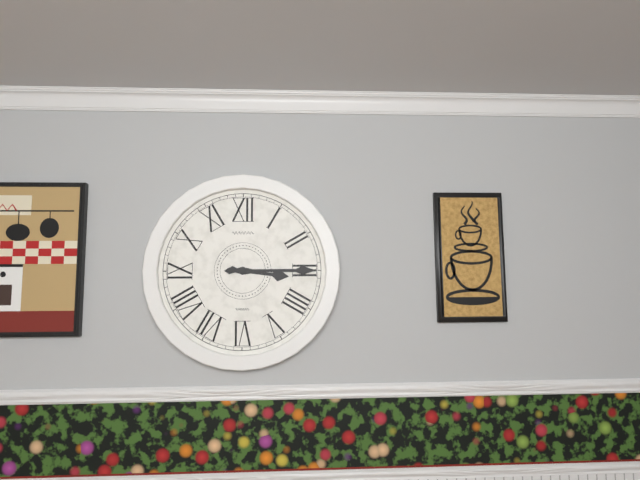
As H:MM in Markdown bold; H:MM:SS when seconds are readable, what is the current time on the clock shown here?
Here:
**3:15**
